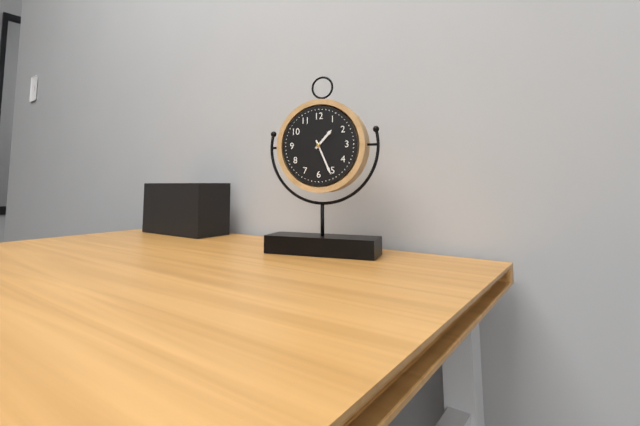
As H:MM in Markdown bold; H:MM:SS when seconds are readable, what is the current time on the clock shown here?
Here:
**1:26**
